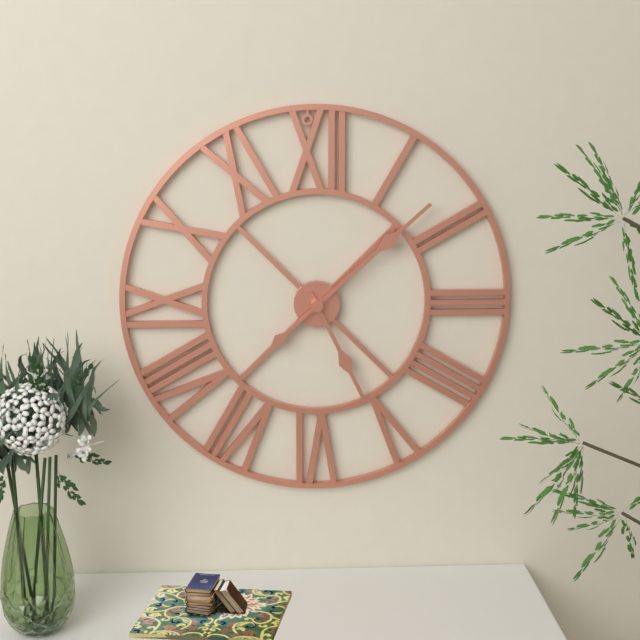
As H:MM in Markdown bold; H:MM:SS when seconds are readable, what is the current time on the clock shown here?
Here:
**5:08**
